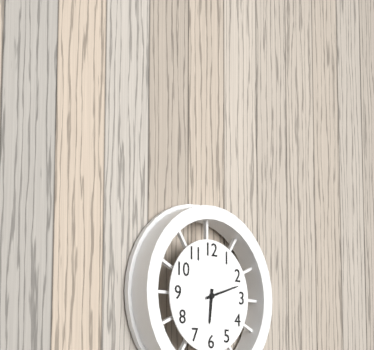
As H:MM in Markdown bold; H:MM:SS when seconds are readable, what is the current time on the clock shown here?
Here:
**6:12**
